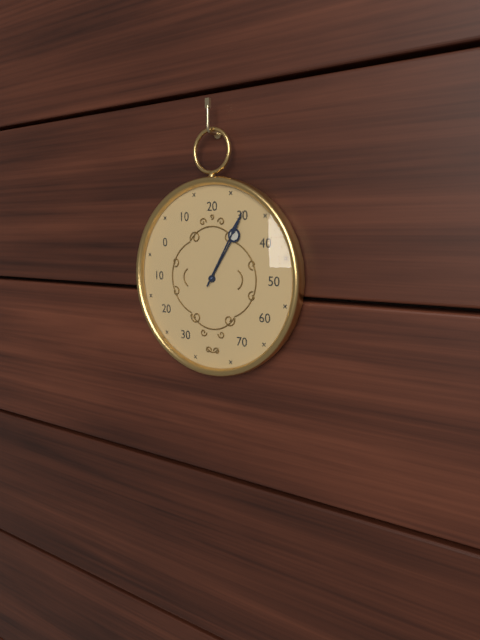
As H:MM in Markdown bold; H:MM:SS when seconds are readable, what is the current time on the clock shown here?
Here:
**1:05**
